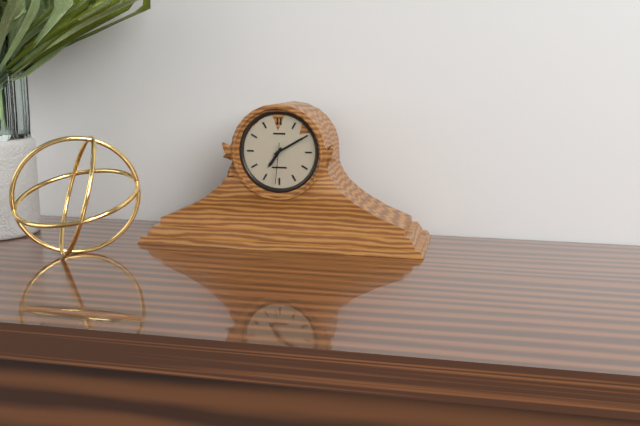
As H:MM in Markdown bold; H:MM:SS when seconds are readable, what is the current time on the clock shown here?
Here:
**7:10**
